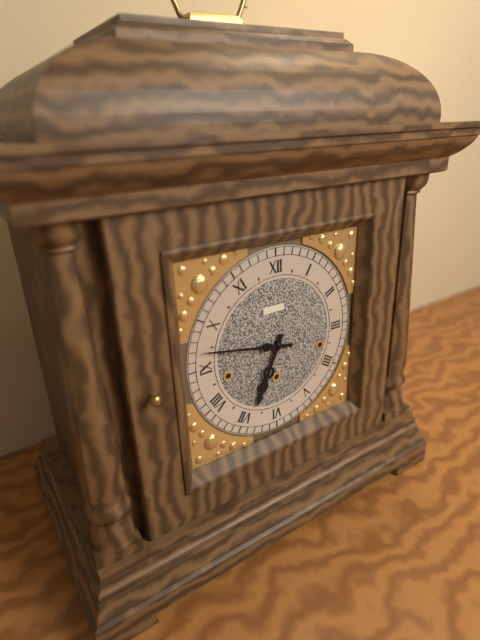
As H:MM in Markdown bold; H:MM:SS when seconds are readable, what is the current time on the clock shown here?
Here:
**6:47**
